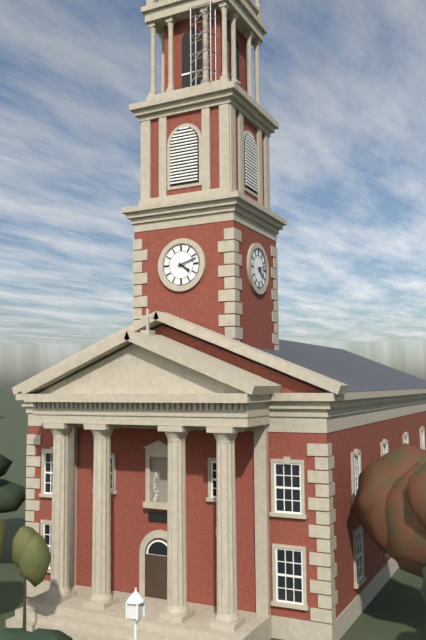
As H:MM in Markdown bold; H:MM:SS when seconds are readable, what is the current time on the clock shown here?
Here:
**4:12**
